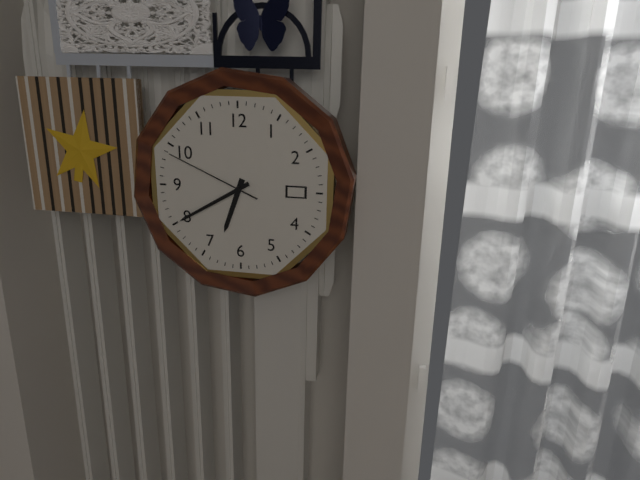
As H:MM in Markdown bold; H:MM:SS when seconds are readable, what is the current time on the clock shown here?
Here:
**6:40:49**
